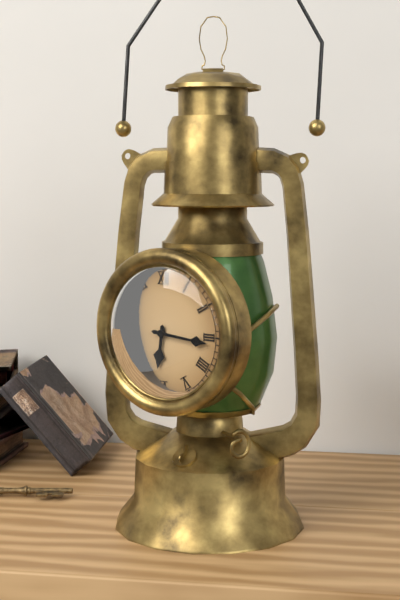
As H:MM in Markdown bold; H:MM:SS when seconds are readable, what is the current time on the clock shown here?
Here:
**6:16**
